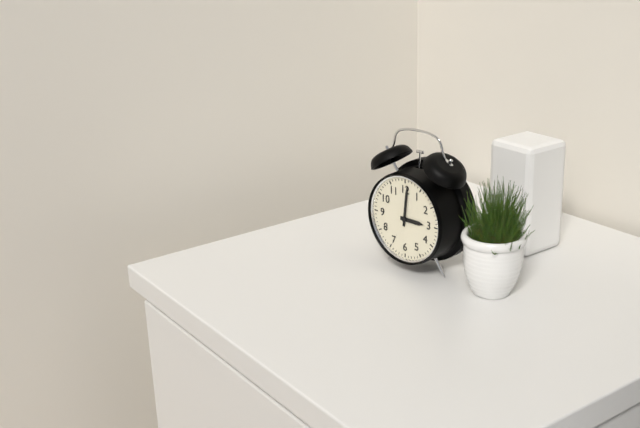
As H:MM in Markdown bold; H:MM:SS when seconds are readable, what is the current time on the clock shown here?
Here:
**3:01**
